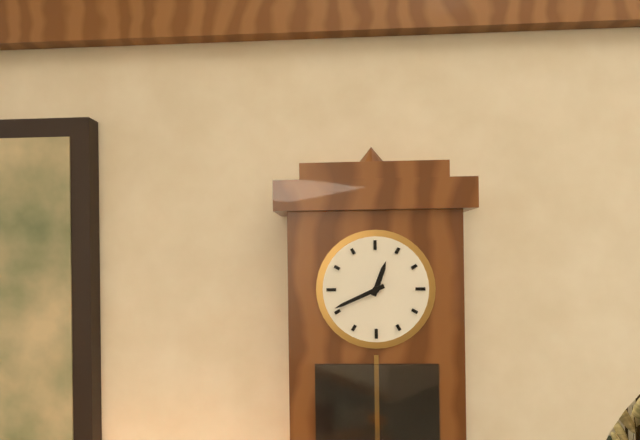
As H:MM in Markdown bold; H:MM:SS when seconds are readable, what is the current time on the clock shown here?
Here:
**12:41**
